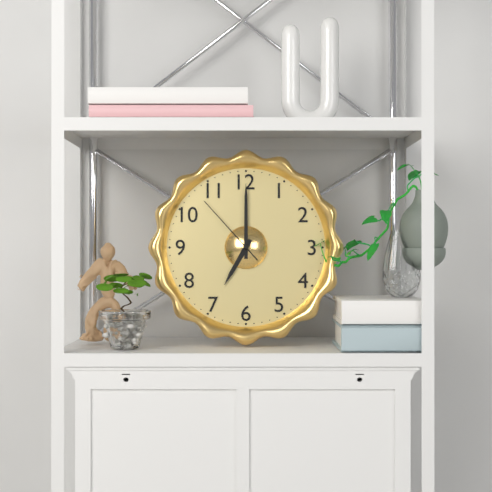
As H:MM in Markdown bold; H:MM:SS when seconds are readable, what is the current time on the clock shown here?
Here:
**7:00:53**
